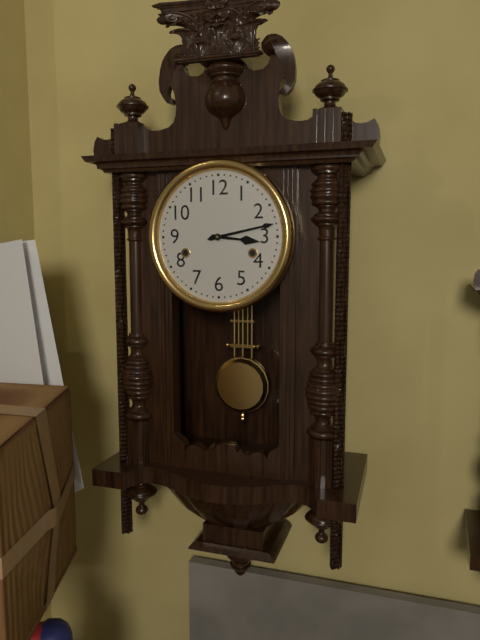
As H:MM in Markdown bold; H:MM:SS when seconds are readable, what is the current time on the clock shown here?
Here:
**3:13**
